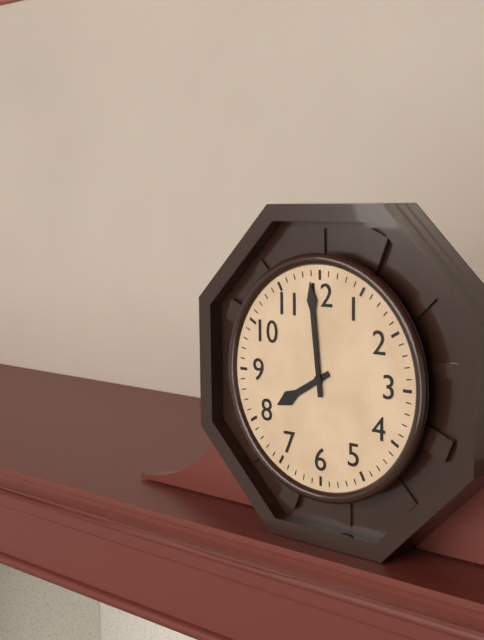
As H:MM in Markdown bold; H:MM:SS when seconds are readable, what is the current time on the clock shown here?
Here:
**7:59**
